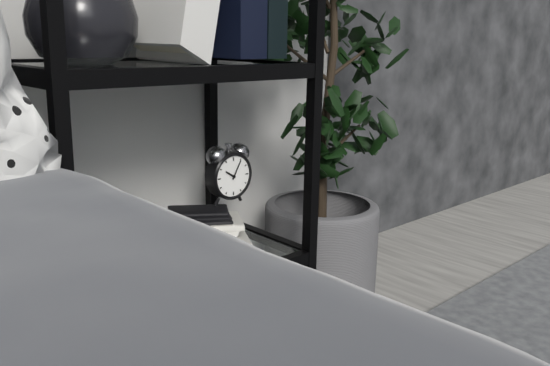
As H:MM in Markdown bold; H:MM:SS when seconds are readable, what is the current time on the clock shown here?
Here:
**10:05**
